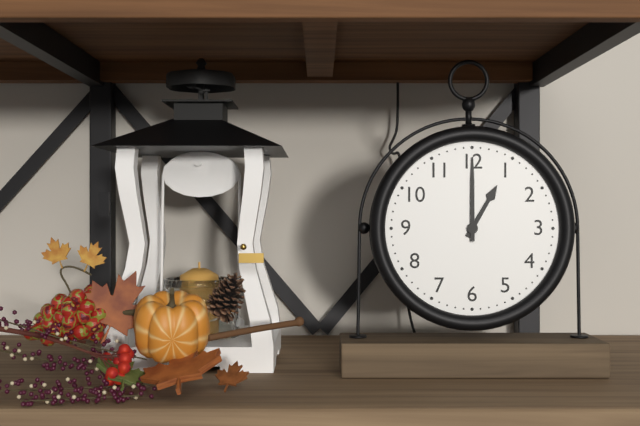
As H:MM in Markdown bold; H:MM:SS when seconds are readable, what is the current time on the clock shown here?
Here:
**1:00**
